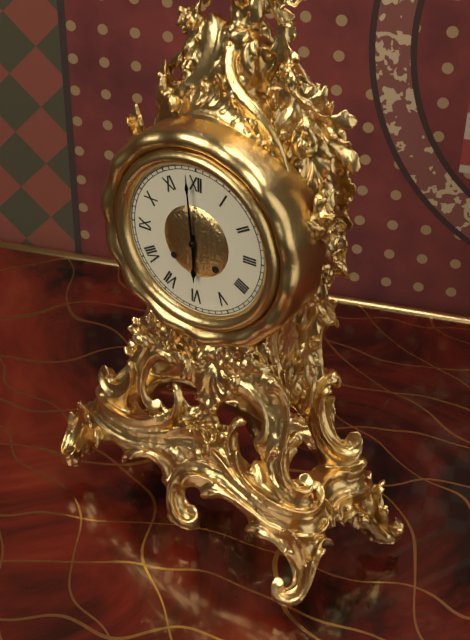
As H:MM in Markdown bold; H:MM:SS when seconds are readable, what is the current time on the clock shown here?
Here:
**5:59**
